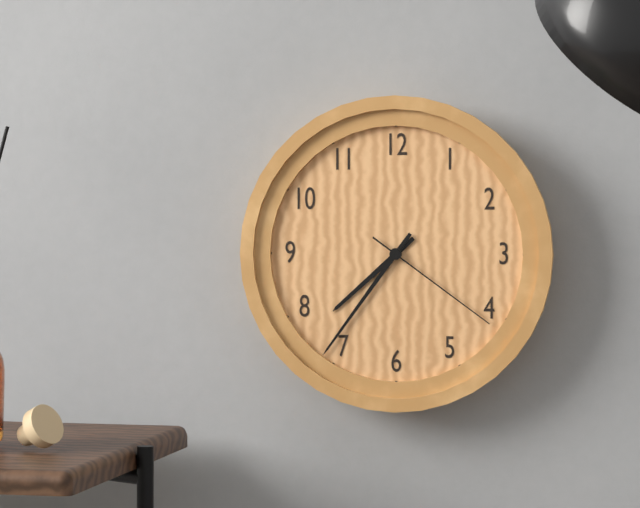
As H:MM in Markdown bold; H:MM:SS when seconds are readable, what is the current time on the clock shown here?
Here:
**7:36:21**
